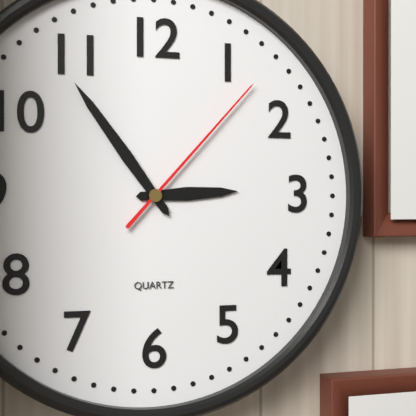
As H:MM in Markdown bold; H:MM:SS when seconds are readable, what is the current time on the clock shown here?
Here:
**2:54:07**
